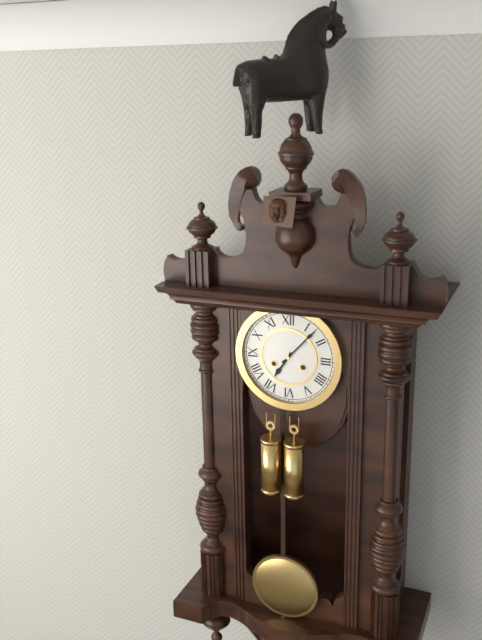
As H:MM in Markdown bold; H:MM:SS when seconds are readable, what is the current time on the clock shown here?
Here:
**7:07**
